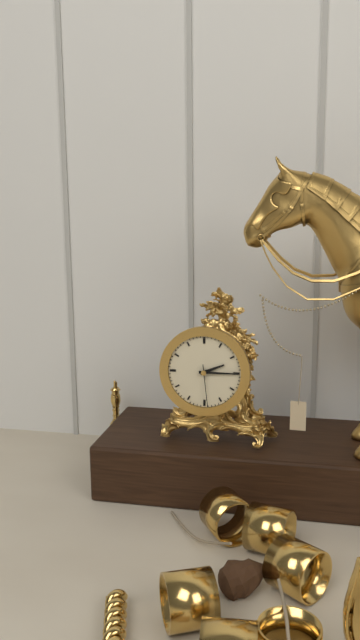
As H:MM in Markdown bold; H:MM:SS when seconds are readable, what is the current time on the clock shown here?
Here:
**2:15**
